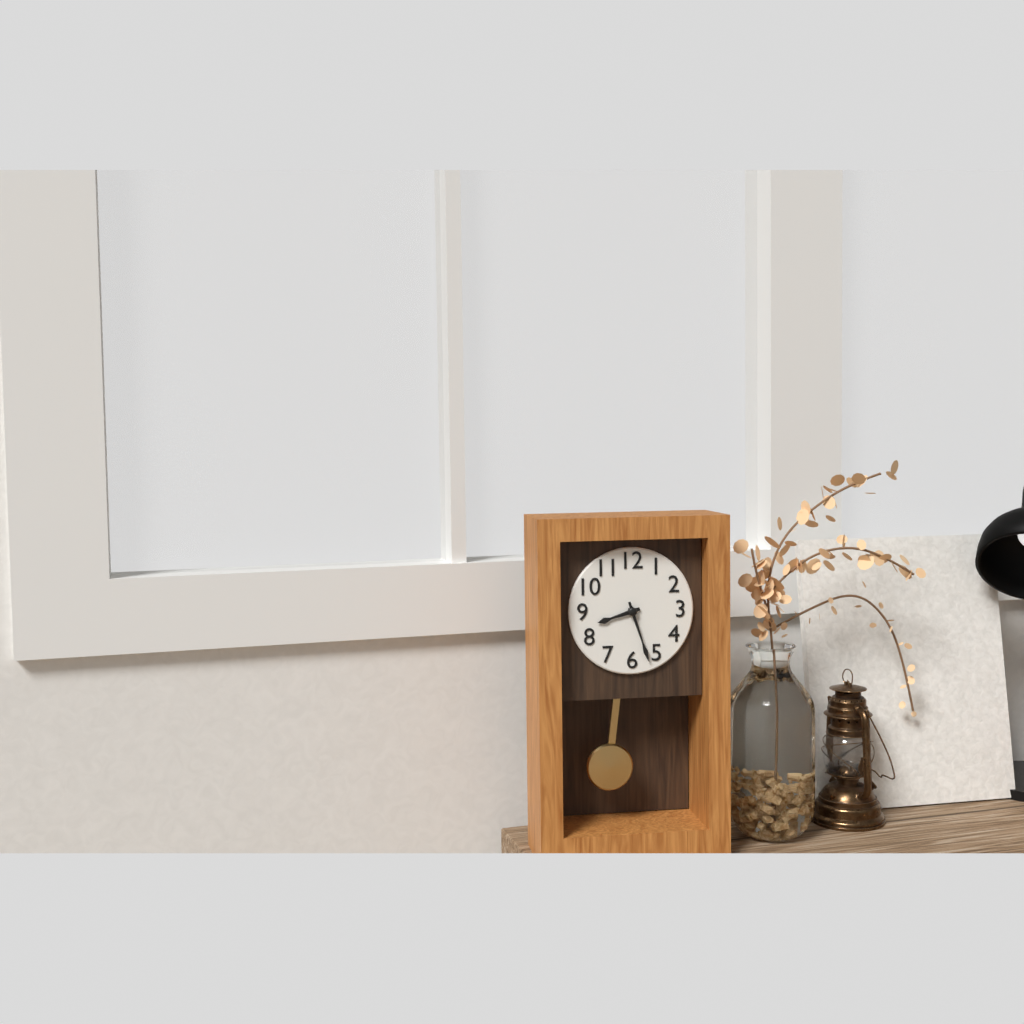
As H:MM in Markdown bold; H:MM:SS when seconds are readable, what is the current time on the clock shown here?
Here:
**8:27**
